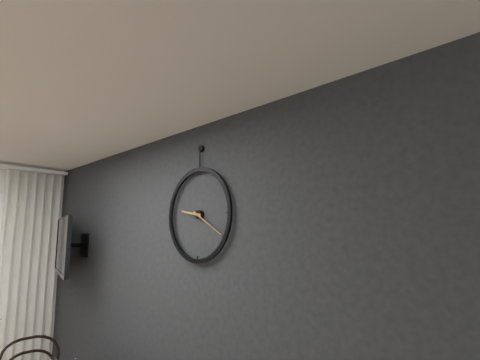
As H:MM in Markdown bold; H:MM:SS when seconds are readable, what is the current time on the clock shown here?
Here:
**9:20**
